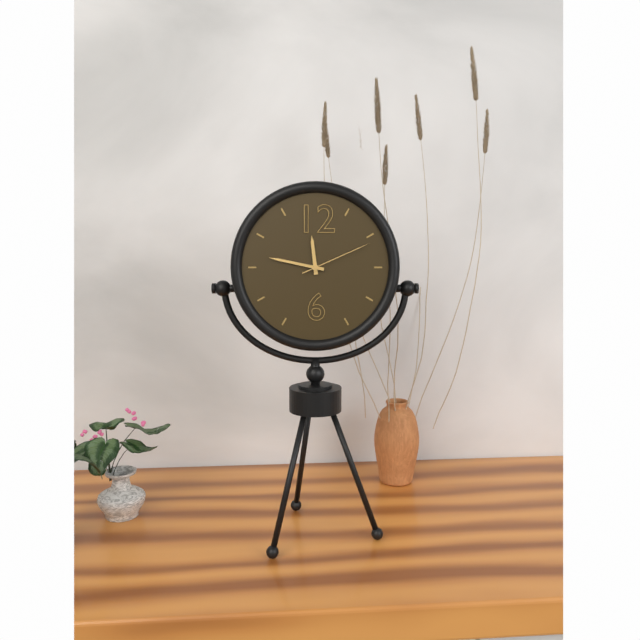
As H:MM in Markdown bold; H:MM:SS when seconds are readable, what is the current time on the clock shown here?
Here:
**11:47:11**
